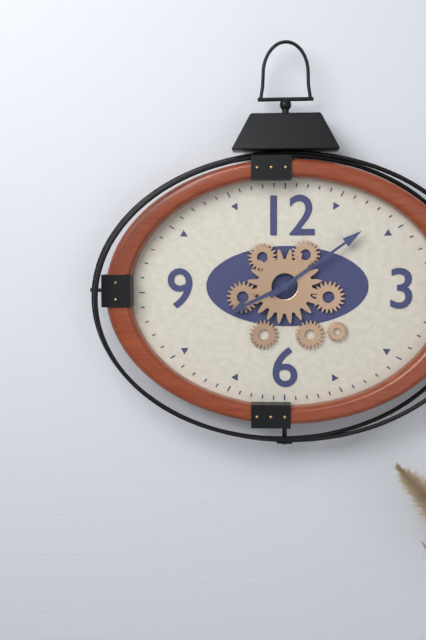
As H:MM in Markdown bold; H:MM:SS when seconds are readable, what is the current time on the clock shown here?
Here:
**8:09**
